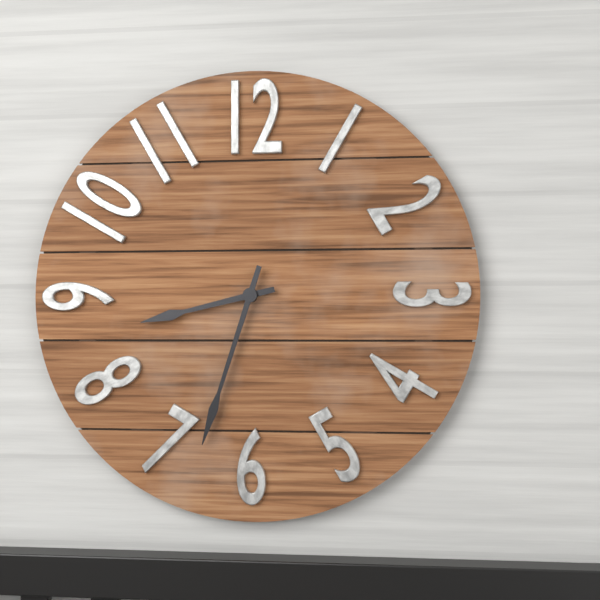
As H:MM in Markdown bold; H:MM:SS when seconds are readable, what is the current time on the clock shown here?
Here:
**8:33**
